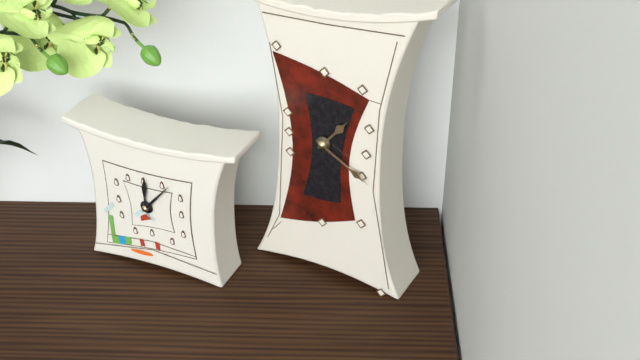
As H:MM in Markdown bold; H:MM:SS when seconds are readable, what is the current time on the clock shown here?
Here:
**1:20**
